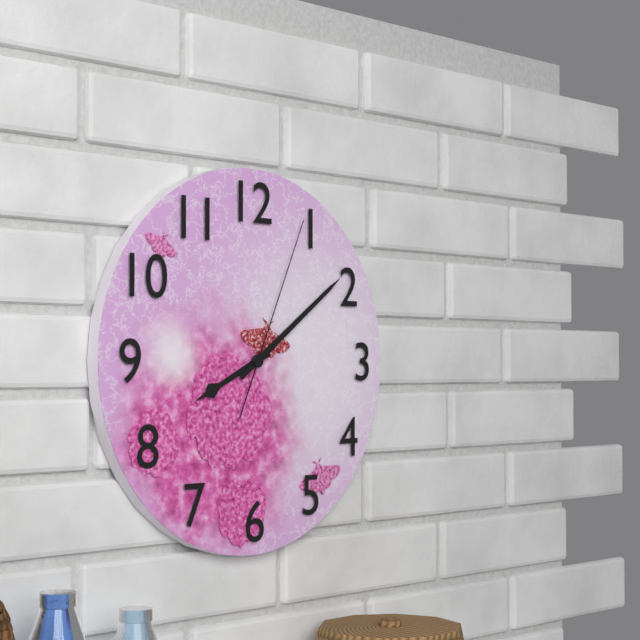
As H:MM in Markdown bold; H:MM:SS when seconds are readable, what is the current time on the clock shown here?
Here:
**8:09:04**
